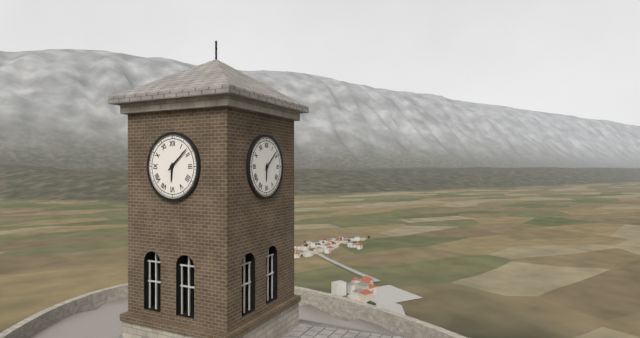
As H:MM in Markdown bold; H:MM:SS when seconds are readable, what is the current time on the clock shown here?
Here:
**6:08**
